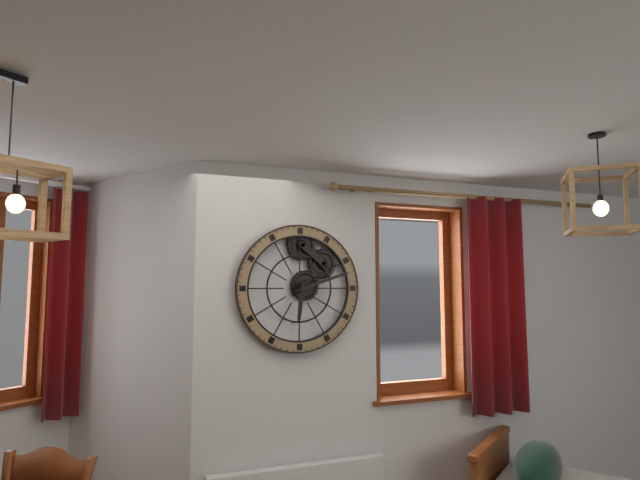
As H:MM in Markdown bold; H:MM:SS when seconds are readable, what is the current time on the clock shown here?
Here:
**6:12**
